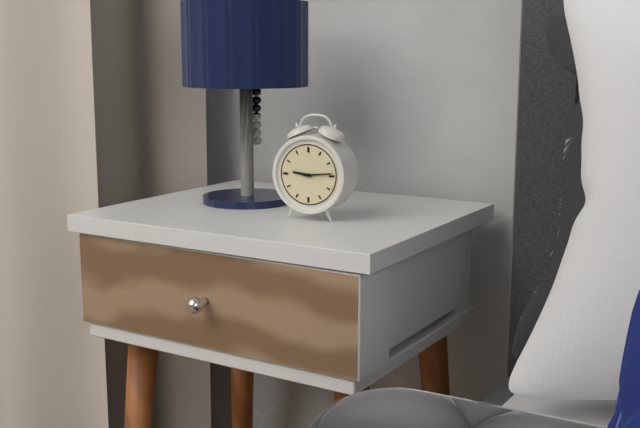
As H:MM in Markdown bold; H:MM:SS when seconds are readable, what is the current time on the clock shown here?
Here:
**9:14**
